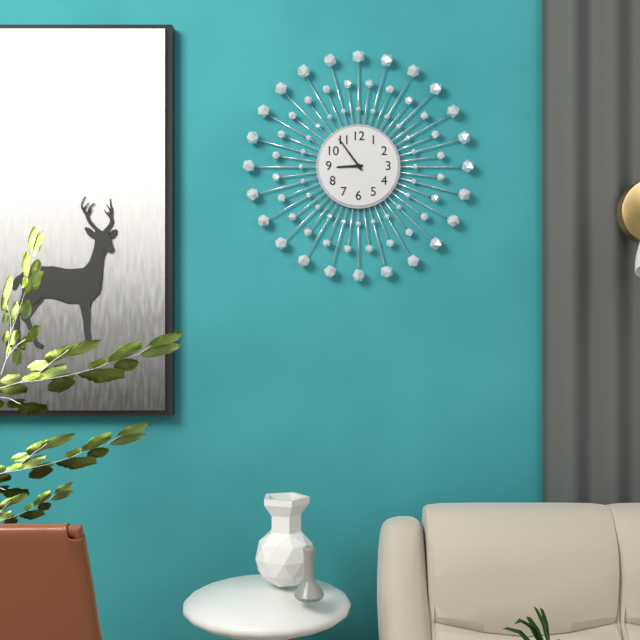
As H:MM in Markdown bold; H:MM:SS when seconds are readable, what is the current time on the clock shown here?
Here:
**8:54**
